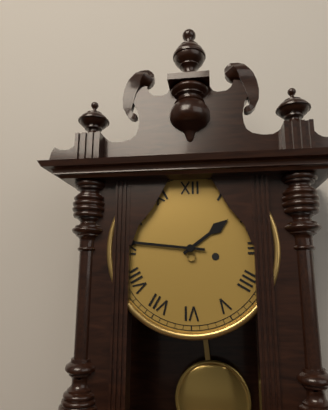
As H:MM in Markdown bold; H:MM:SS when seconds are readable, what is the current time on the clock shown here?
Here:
**1:46**
